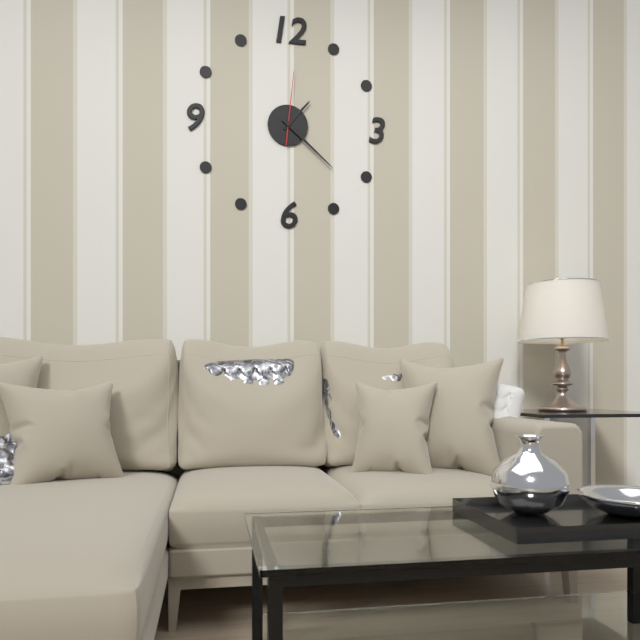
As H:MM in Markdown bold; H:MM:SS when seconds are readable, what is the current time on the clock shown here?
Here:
**1:22:01**
